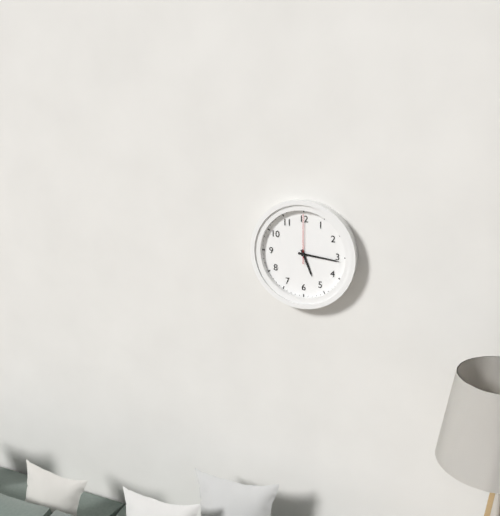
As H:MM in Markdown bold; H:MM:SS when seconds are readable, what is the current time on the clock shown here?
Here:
**5:16:00**
